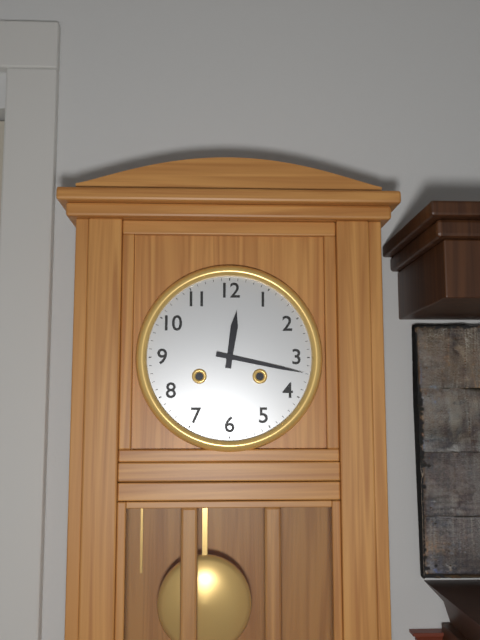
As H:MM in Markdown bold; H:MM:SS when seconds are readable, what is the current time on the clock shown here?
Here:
**12:17**
